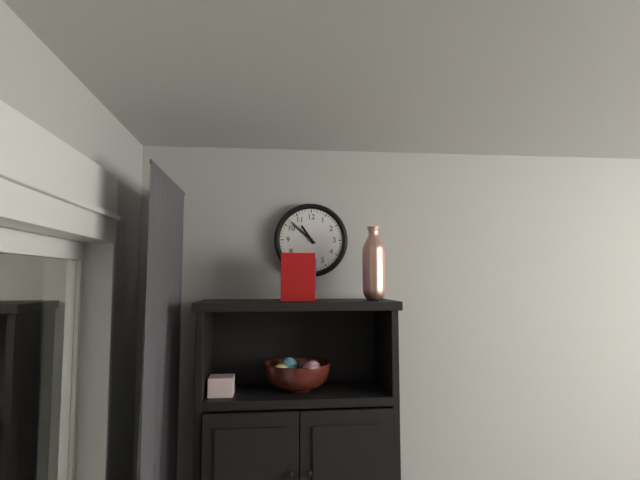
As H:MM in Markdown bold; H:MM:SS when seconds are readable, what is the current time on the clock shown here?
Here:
**10:52**
